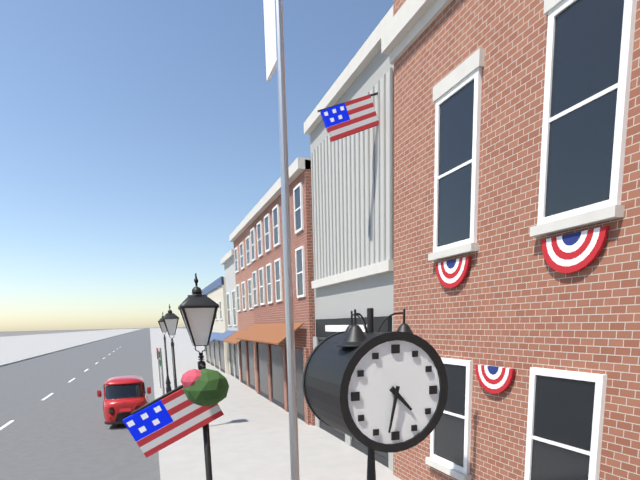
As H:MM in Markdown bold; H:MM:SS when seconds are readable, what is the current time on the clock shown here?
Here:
**4:32**
